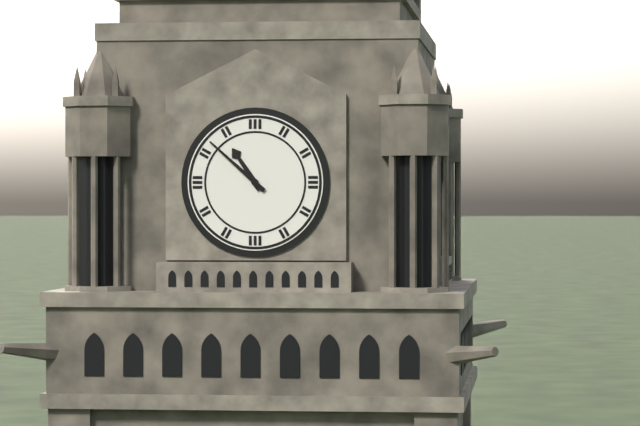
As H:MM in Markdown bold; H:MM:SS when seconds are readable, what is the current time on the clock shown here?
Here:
**10:52**
